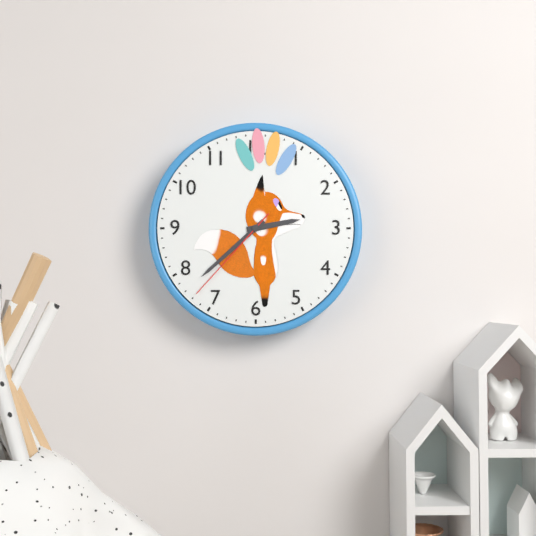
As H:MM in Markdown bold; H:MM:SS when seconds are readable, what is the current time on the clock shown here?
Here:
**2:38:37**
